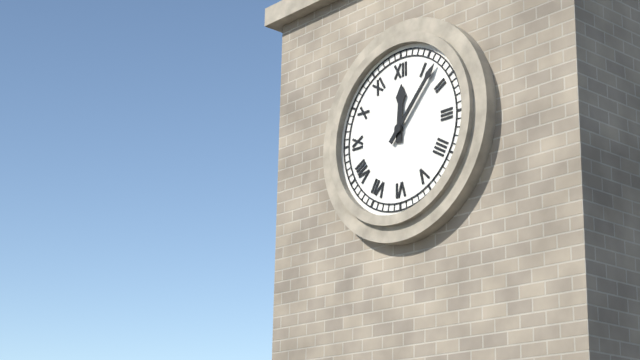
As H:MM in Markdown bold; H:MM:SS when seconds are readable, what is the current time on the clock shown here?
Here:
**12:07**
